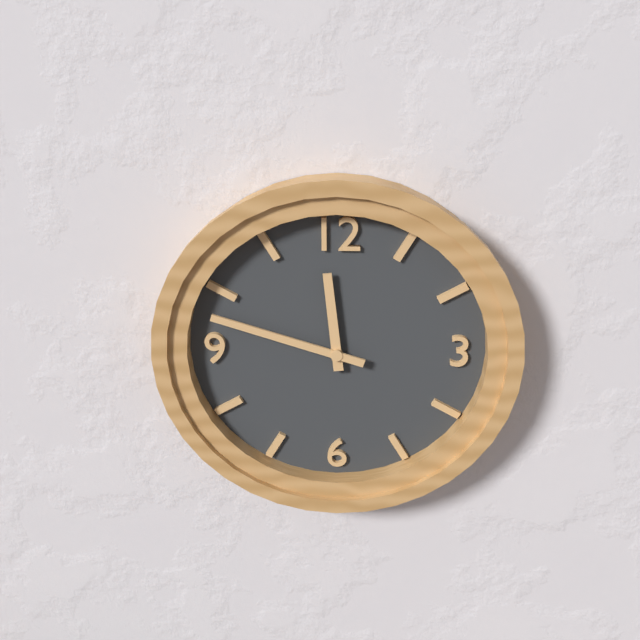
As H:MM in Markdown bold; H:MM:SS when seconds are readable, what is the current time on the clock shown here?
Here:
**11:48**
